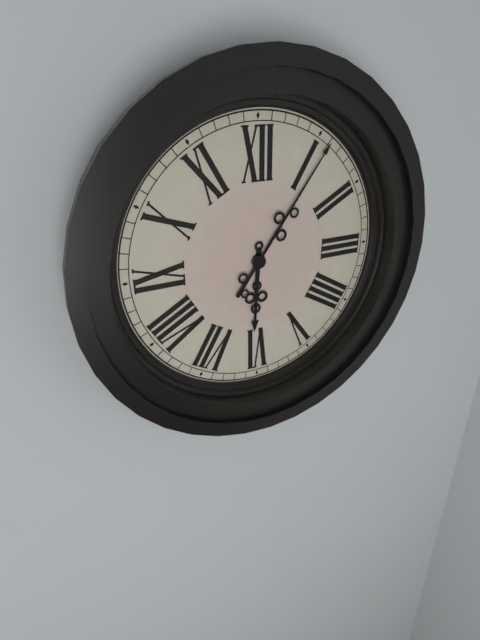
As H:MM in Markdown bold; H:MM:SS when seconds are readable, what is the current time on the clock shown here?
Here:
**6:06**
